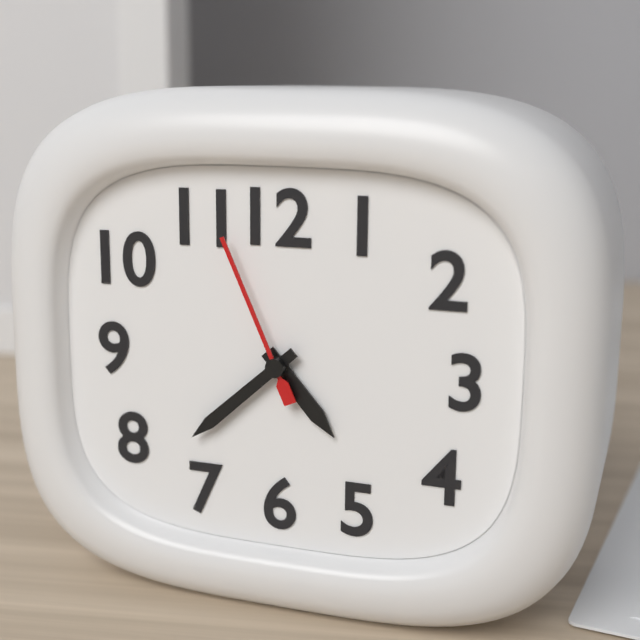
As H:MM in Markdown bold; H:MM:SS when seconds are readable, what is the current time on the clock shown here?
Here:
**4:38:56**
